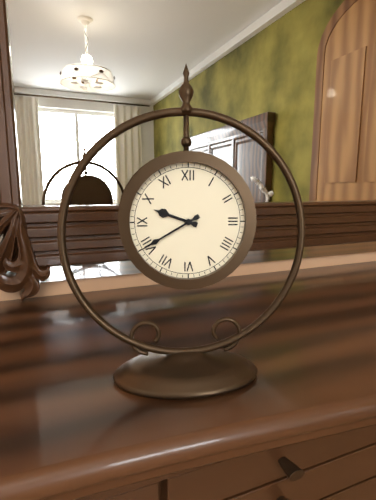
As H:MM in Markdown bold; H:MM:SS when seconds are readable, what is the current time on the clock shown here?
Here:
**9:40**
